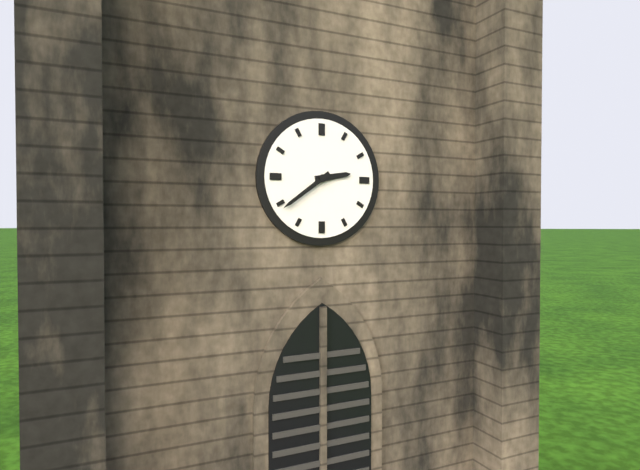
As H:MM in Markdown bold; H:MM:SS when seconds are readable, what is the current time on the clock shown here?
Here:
**2:39**
